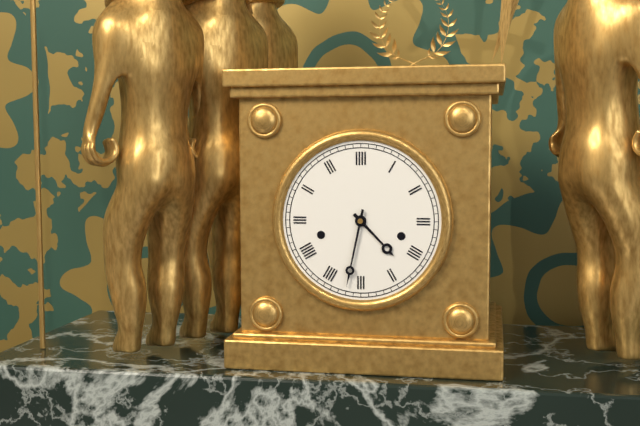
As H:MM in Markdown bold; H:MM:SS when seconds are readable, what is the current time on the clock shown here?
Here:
**4:32**
